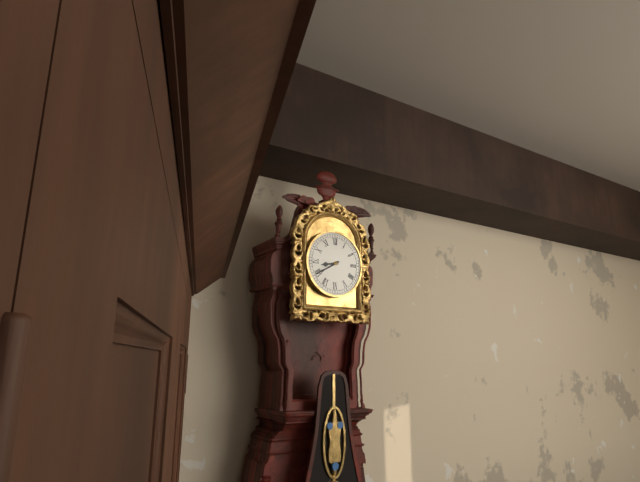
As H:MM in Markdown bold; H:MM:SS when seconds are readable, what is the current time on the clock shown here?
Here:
**8:40**
